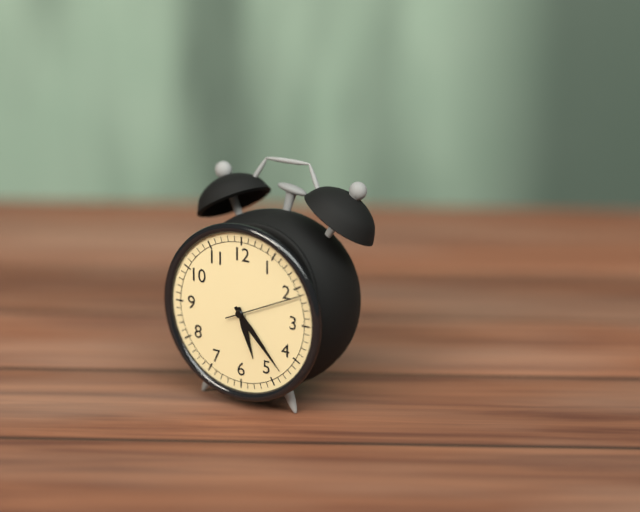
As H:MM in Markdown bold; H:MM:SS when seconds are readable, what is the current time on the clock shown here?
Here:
**5:23:11**
